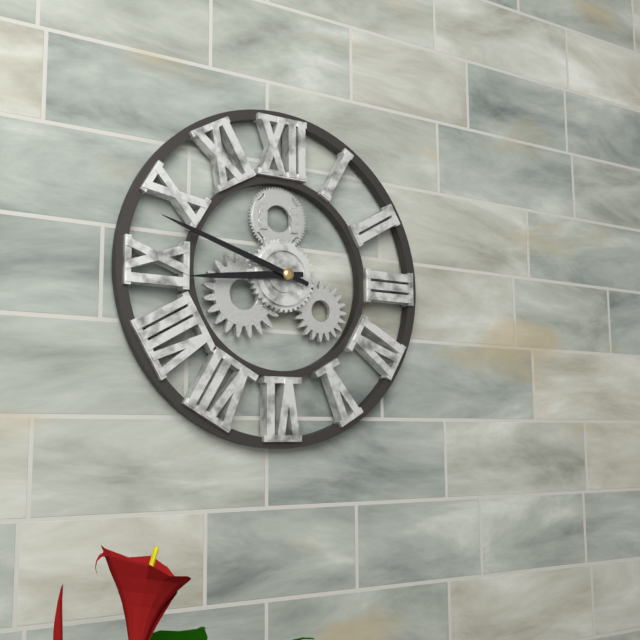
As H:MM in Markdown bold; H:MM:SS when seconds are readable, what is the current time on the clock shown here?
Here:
**8:48**
